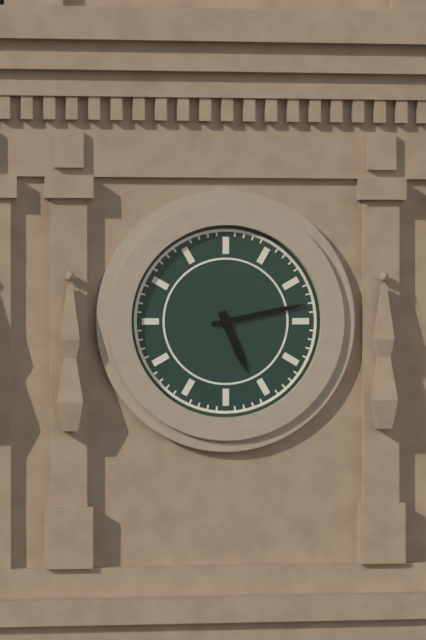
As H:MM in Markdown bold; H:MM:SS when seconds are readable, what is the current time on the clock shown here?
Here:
**5:13**
